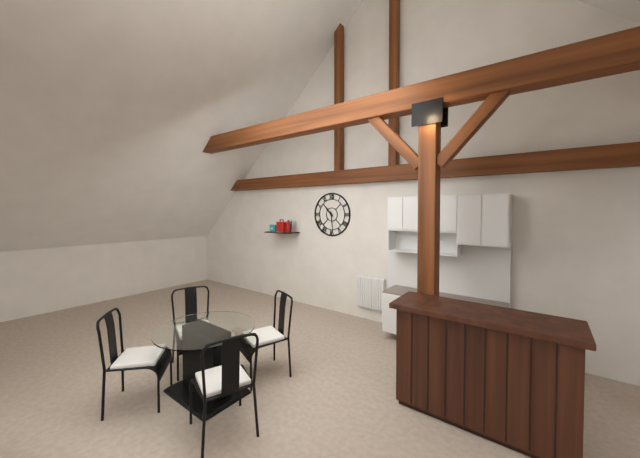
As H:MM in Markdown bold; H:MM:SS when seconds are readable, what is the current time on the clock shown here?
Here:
**10:29**
